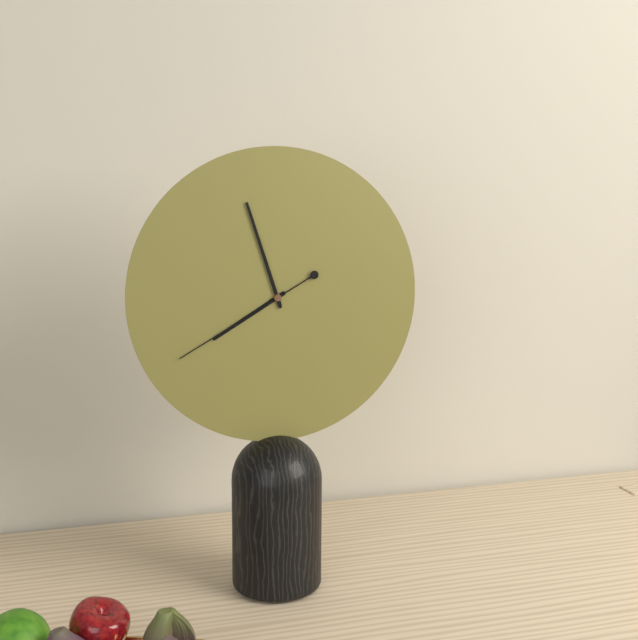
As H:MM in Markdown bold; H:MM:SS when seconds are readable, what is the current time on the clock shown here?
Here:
**7:57:40**
